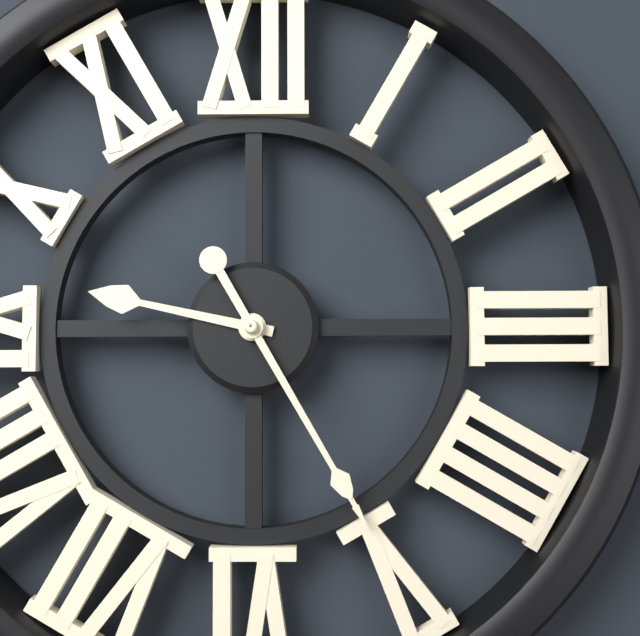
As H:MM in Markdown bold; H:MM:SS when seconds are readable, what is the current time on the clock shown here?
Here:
**9:25**
